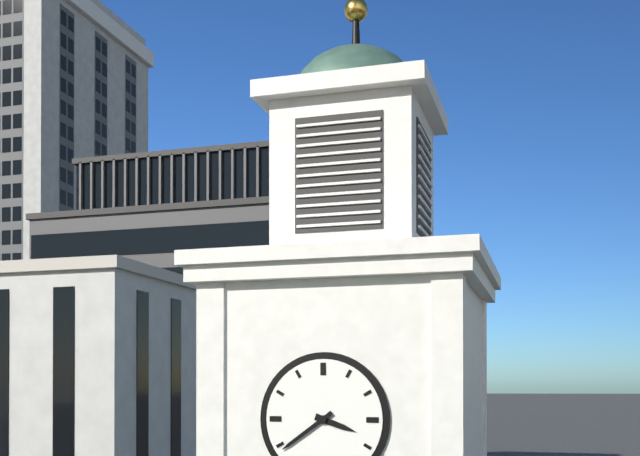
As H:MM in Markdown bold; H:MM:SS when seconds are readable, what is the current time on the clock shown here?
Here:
**3:39**
